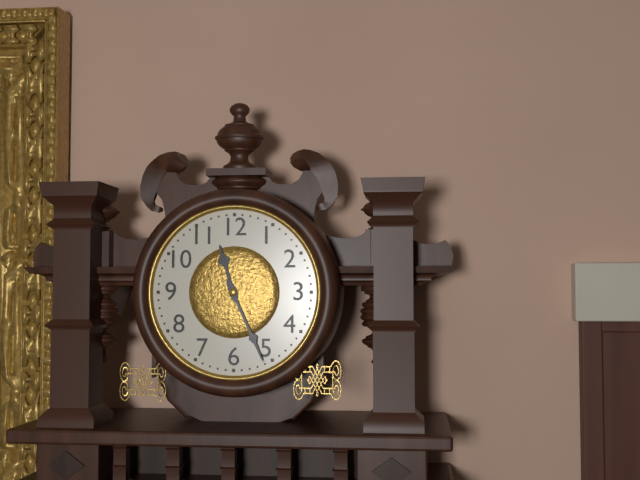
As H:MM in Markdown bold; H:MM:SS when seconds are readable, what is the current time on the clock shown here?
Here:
**11:26**
